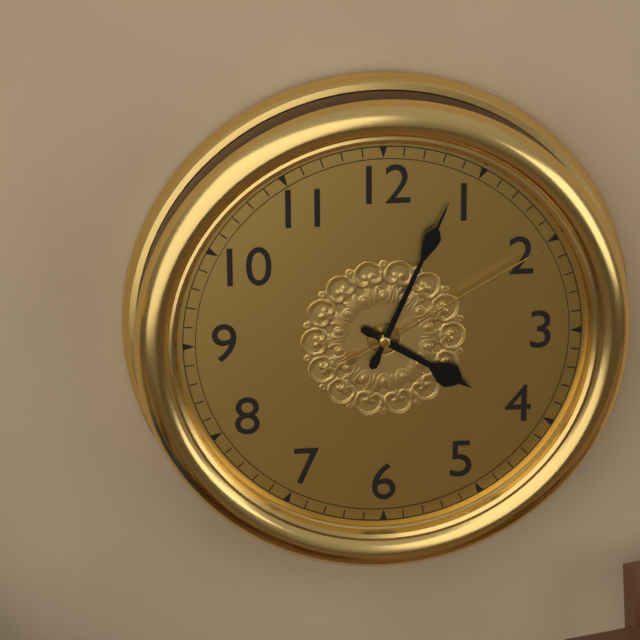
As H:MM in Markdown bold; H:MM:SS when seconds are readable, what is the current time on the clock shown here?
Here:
**4:04:10**
